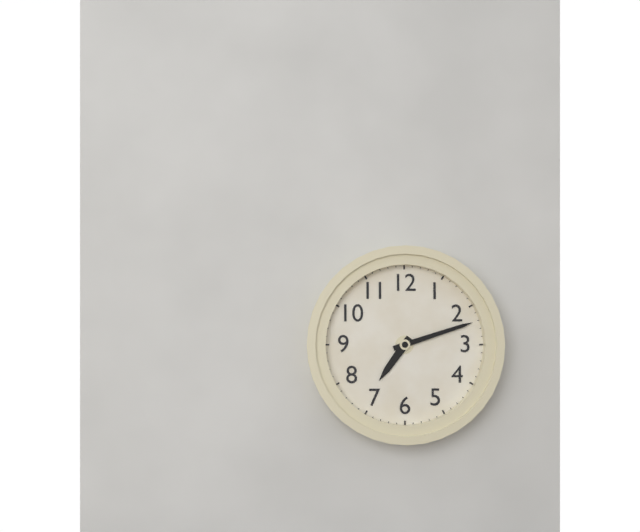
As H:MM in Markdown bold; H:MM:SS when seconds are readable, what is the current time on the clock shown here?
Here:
**7:12**
